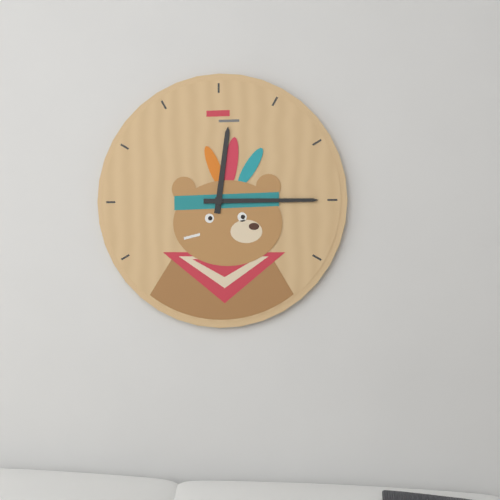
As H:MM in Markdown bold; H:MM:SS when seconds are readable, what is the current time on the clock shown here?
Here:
**12:15**
